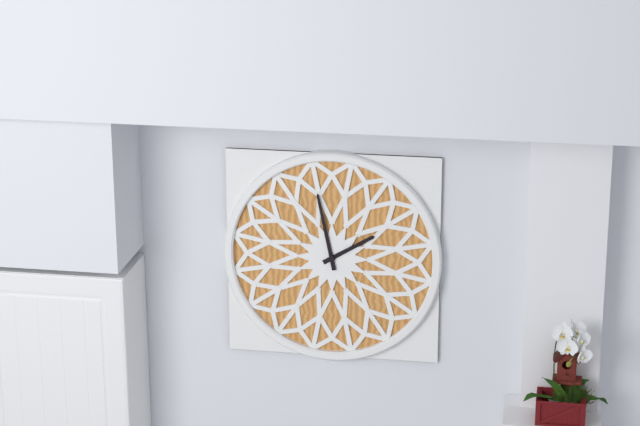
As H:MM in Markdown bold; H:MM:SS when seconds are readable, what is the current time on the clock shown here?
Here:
**1:58**
